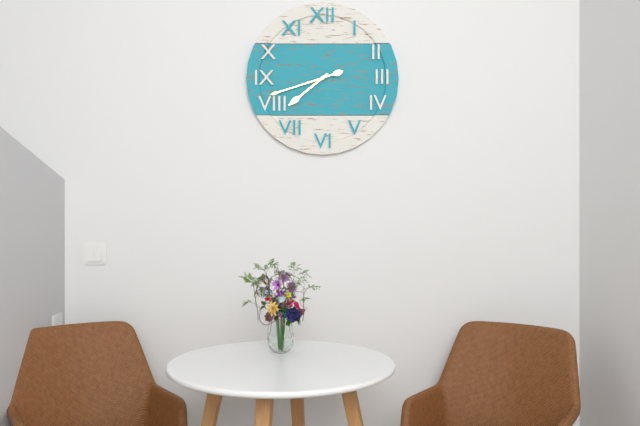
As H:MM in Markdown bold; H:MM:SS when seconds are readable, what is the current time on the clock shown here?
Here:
**7:42**
